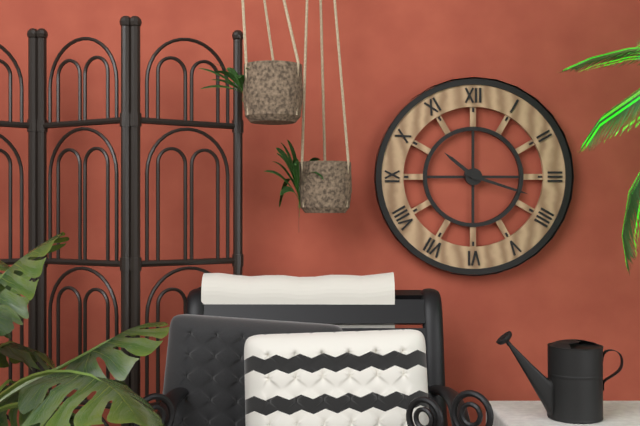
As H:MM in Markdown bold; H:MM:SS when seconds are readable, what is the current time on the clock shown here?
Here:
**10:18**
